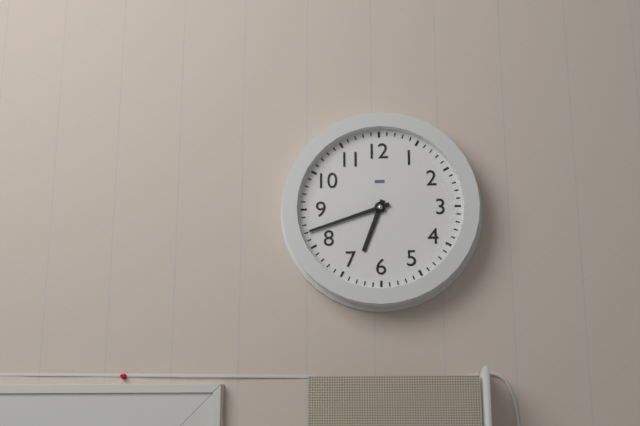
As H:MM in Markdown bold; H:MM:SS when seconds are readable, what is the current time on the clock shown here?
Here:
**6:42**
